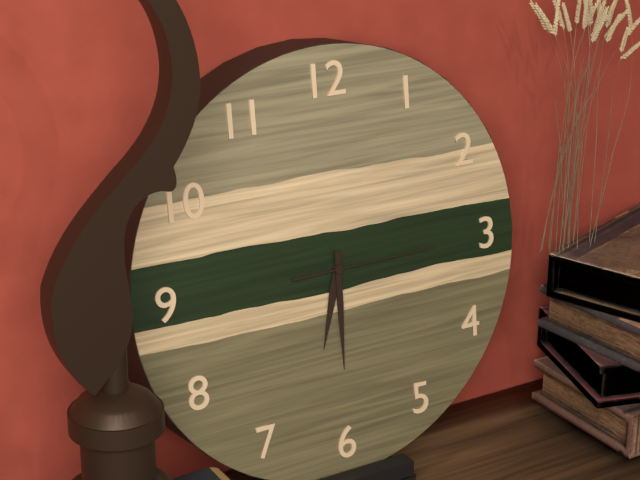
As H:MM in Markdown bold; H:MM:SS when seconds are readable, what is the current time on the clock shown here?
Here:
**6:30:15**
